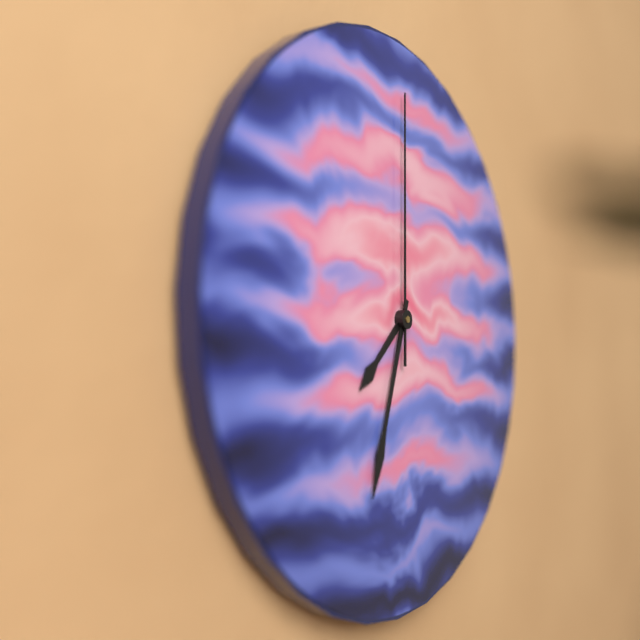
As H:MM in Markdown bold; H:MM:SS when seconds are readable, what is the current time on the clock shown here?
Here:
**7:33:00**
